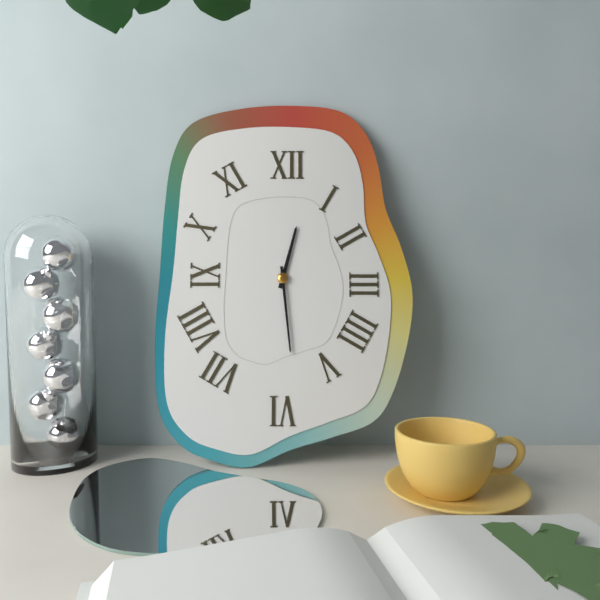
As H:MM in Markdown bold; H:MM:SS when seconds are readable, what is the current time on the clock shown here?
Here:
**12:29**
